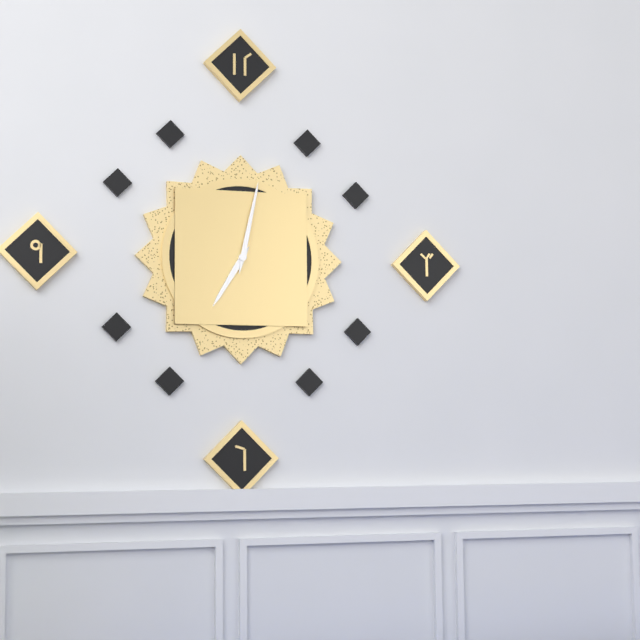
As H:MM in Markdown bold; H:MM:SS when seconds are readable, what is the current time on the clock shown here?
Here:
**7:02**
